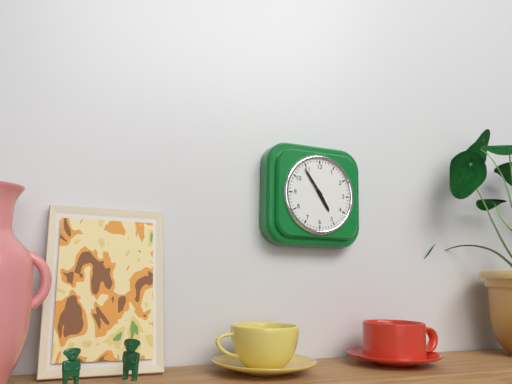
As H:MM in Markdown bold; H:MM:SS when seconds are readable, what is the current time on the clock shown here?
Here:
**4:54**
